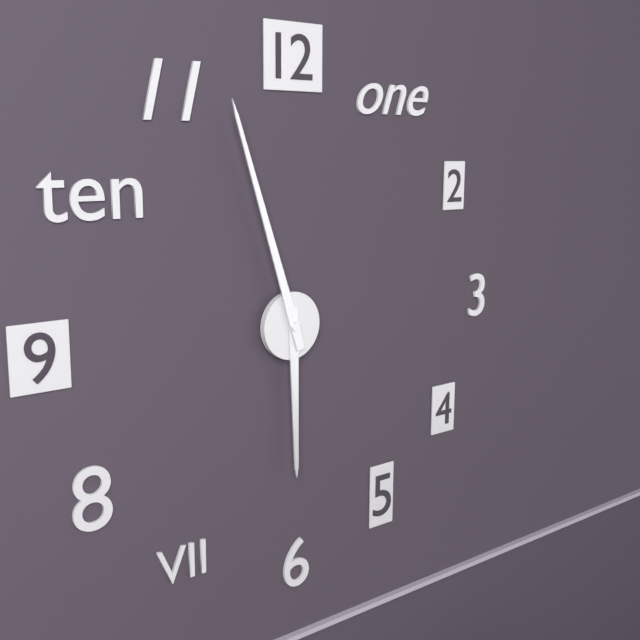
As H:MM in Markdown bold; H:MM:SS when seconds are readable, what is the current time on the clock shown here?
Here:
**5:57**
